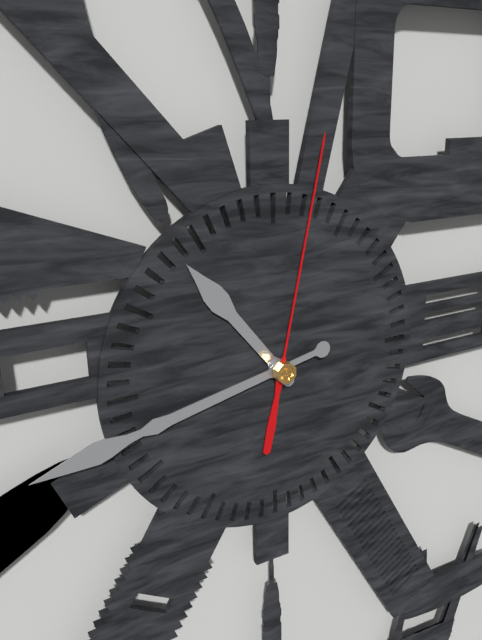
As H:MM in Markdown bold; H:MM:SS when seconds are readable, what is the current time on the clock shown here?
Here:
**10:43:02**
